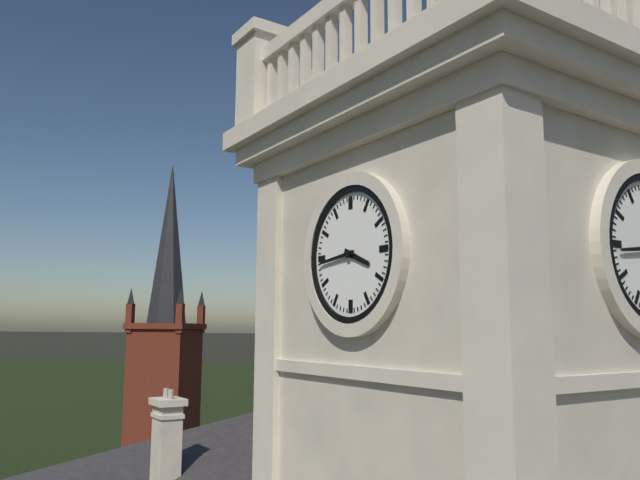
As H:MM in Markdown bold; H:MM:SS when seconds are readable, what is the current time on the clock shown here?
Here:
**3:44**
